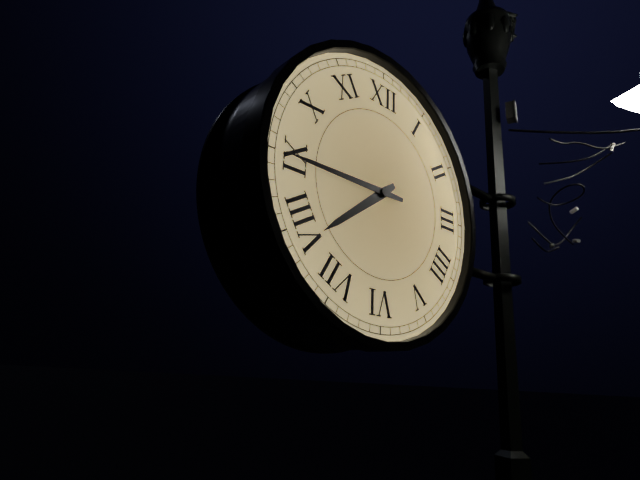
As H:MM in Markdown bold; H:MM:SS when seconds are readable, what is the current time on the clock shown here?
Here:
**7:45**
